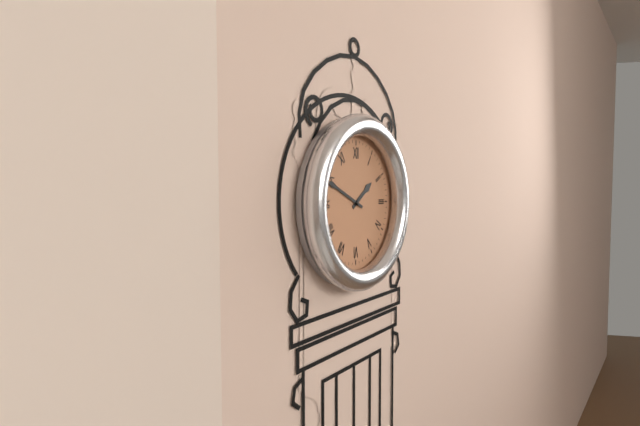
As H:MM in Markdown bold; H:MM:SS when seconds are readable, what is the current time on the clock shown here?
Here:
**1:49**
